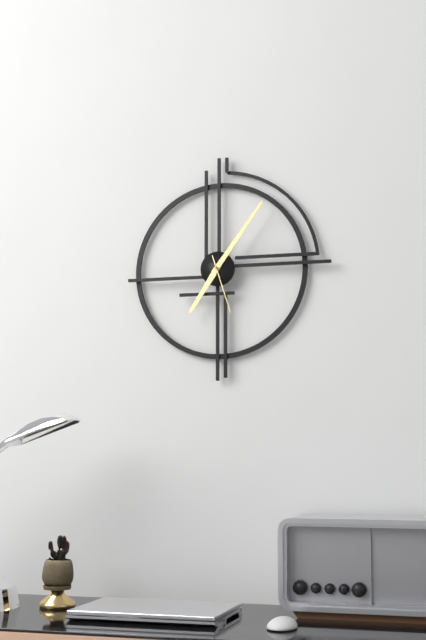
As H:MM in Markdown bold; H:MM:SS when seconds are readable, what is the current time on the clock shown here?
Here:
**7:06:27**
